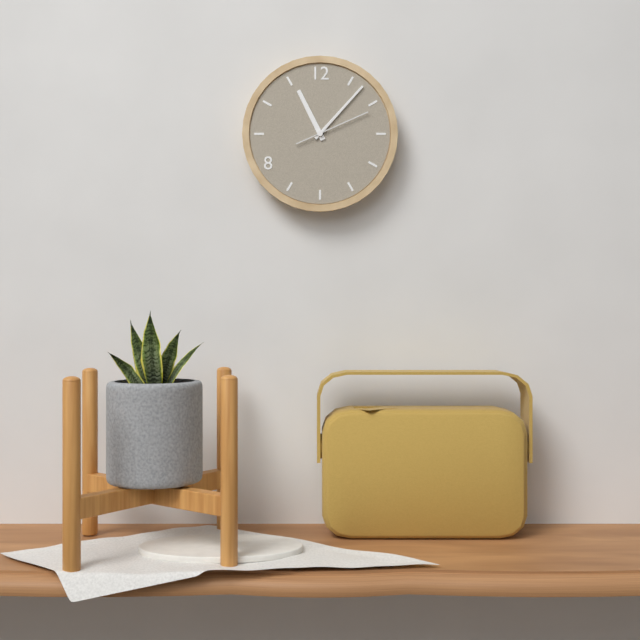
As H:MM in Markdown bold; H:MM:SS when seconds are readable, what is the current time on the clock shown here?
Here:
**11:07:11**
